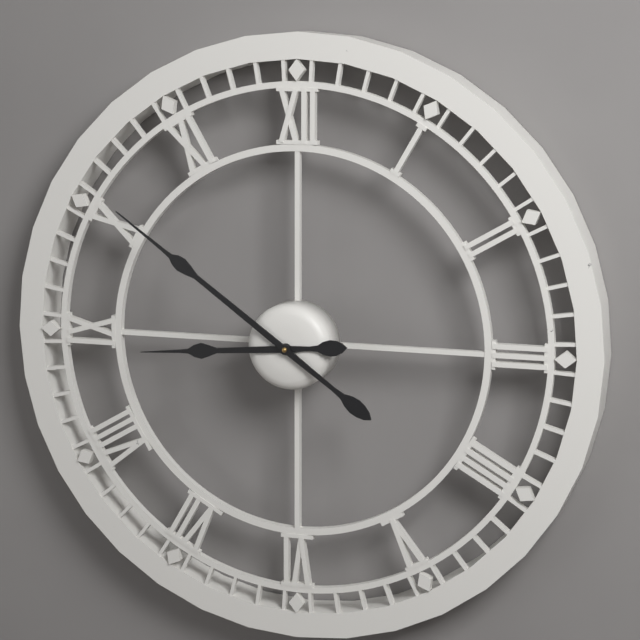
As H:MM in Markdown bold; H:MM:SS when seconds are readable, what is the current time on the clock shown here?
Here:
**8:51**
